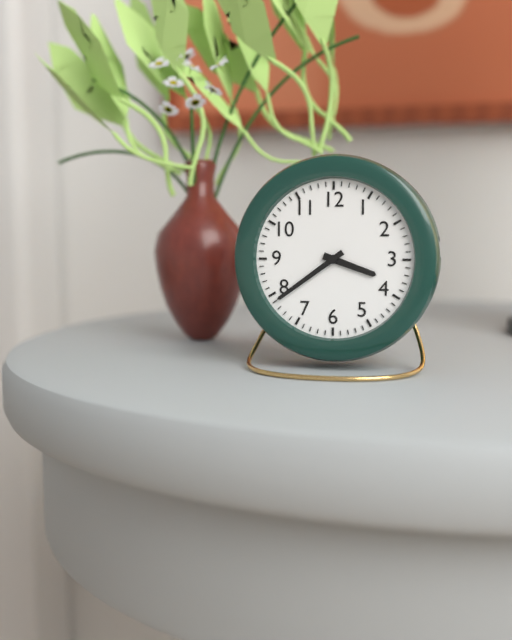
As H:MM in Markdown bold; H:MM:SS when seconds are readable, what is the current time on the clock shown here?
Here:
**3:39**
